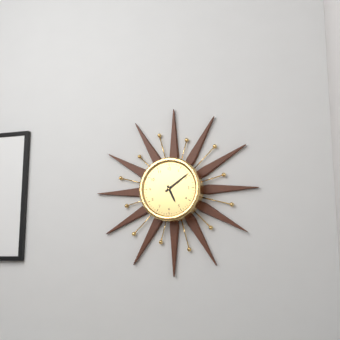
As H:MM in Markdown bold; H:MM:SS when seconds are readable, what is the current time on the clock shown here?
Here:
**5:09**
